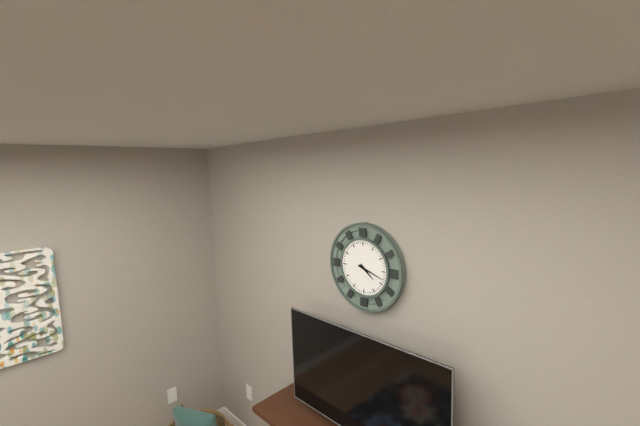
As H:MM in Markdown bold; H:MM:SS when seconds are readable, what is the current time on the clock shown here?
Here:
**4:18**
